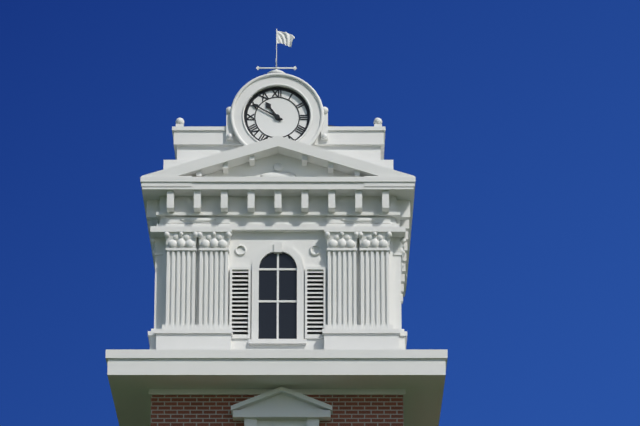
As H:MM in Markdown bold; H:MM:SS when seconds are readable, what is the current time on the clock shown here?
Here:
**10:50**
